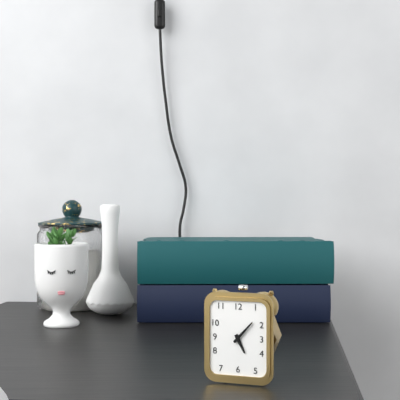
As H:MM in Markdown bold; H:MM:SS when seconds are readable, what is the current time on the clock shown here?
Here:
**5:07**
